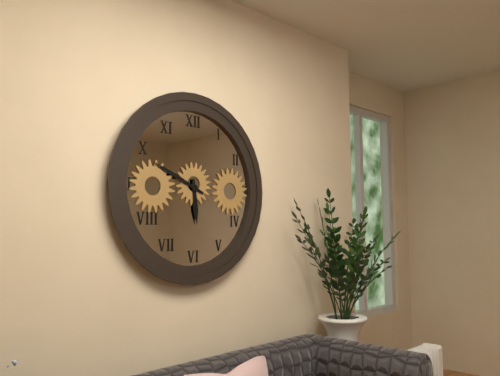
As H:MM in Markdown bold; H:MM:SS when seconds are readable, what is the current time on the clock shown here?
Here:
**5:49**
